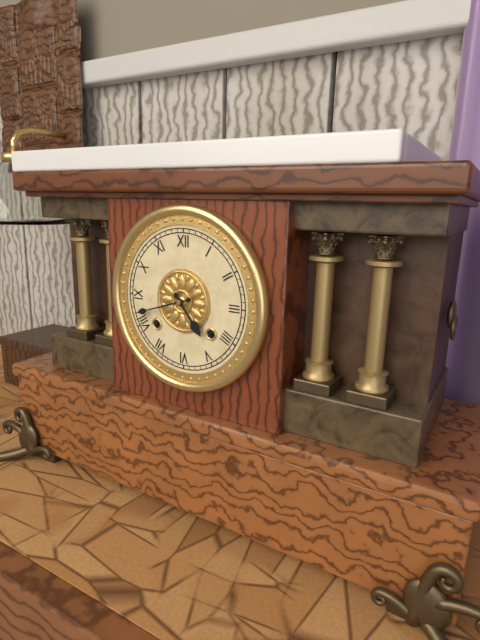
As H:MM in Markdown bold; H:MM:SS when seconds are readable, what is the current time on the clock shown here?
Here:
**4:42**
